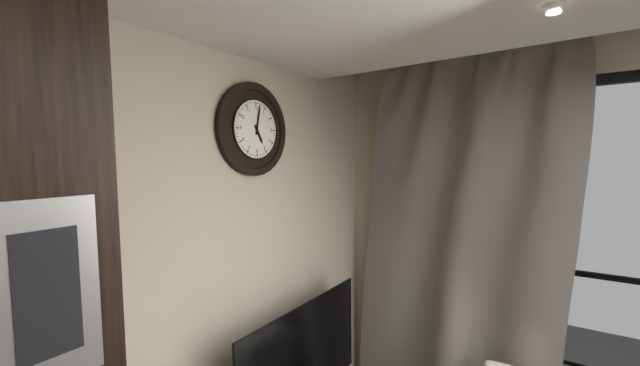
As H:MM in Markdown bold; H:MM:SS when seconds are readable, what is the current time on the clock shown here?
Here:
**5:02**
